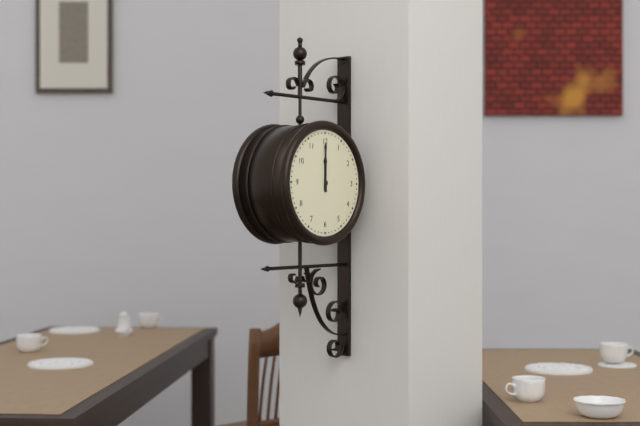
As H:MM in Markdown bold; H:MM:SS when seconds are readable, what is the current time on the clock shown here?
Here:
**12:00**
